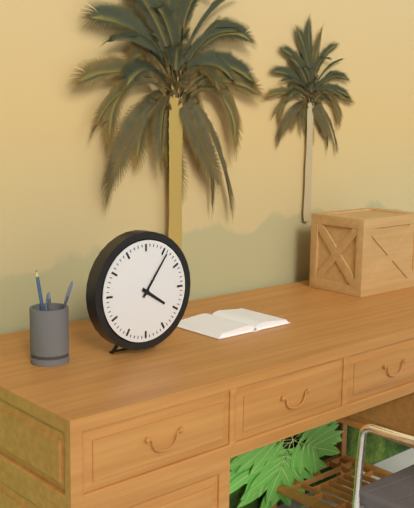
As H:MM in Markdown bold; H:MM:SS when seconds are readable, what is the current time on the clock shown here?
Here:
**4:06**
